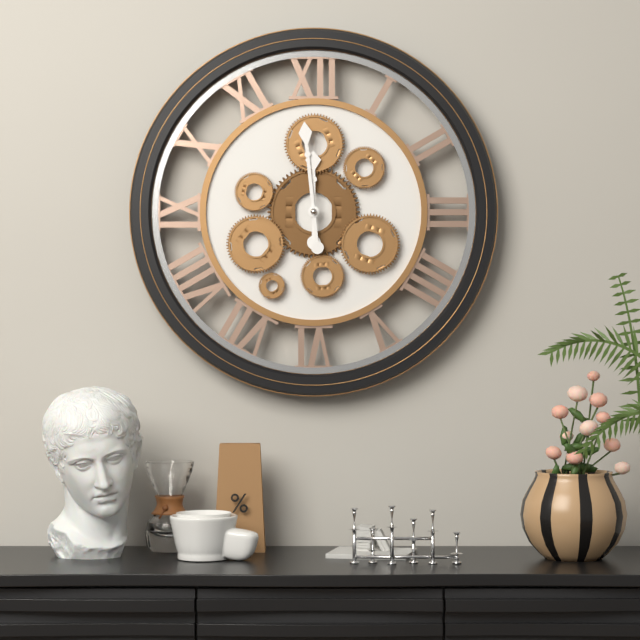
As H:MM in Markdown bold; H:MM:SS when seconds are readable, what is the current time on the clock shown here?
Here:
**11:59**
